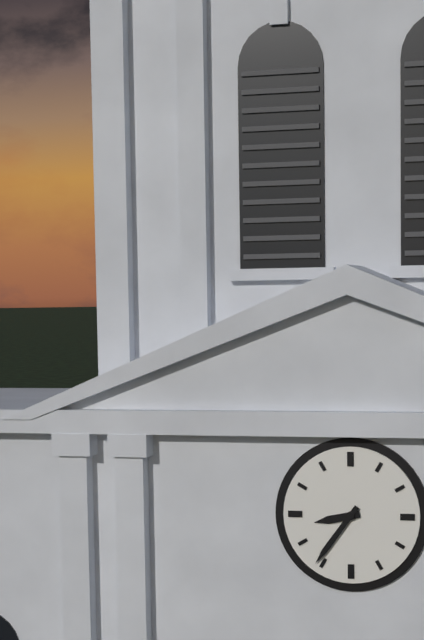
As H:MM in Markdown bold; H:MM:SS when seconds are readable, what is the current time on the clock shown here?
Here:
**8:36**
